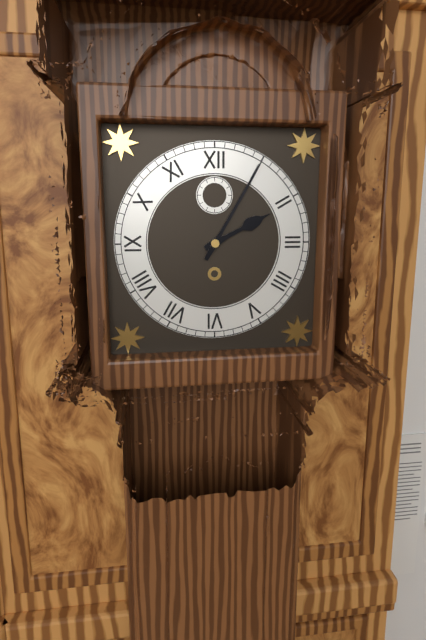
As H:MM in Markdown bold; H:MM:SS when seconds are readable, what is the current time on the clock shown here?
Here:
**2:05**
